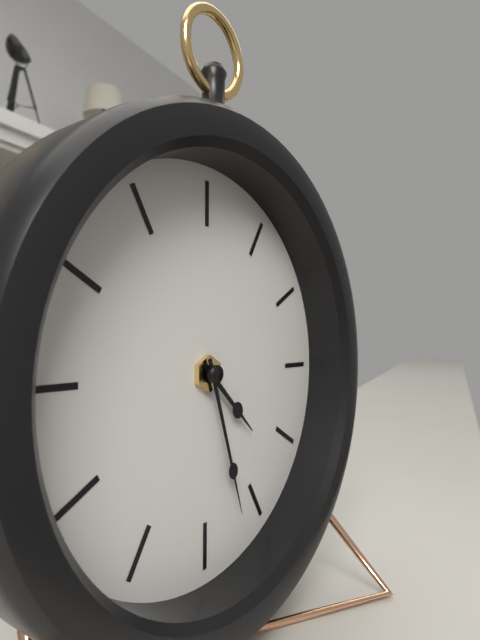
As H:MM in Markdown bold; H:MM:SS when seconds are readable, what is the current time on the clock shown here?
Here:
**4:27**
